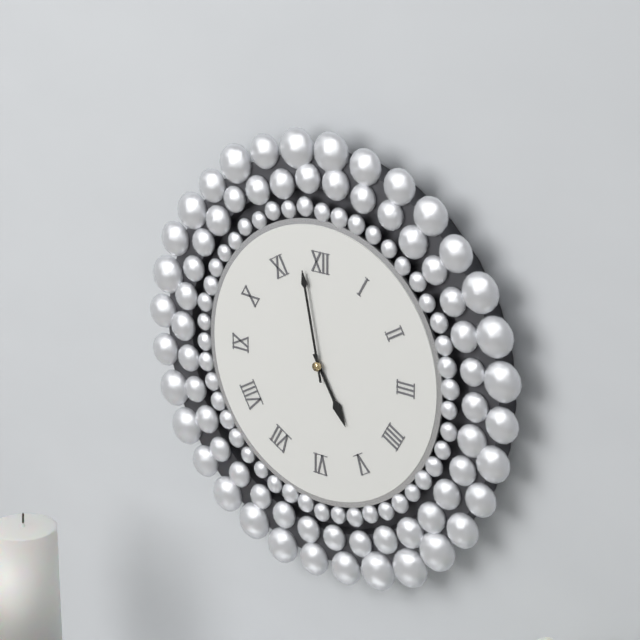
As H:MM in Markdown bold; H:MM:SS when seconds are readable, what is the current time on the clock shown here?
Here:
**4:58**
